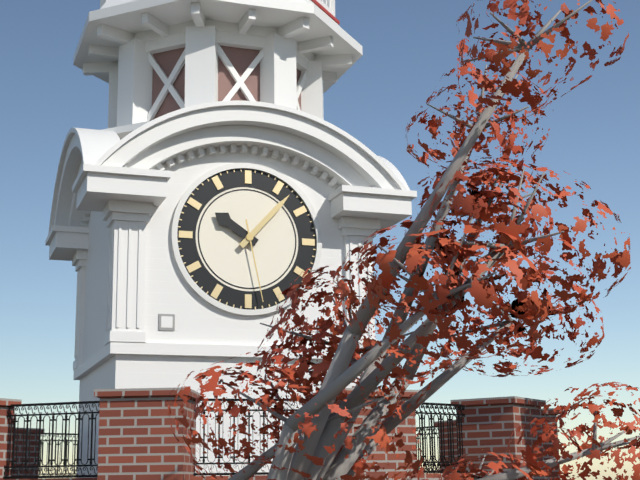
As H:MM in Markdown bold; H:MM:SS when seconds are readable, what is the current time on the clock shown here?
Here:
**10:07:28**
